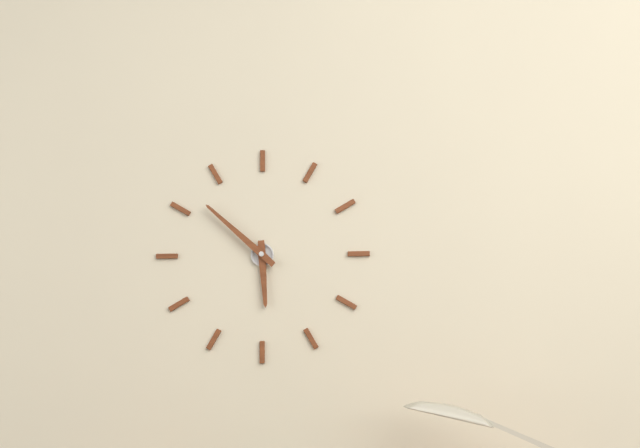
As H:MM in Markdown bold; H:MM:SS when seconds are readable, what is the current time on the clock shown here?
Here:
**5:52**
